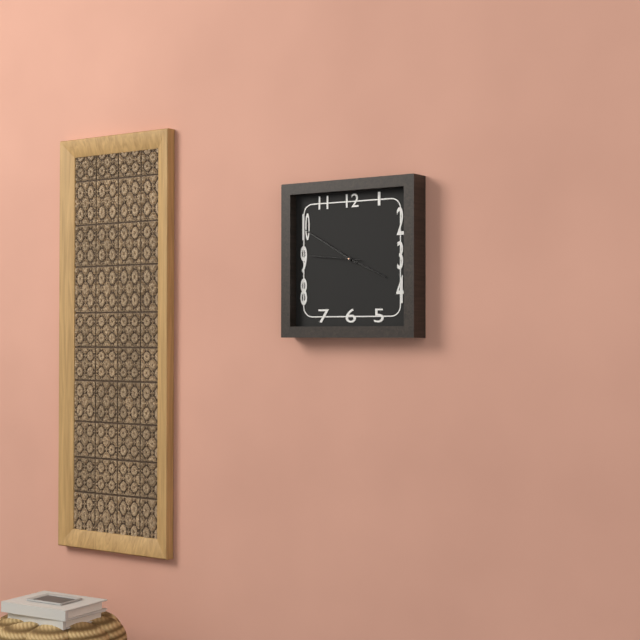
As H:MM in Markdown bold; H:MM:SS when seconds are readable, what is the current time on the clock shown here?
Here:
**3:50**
